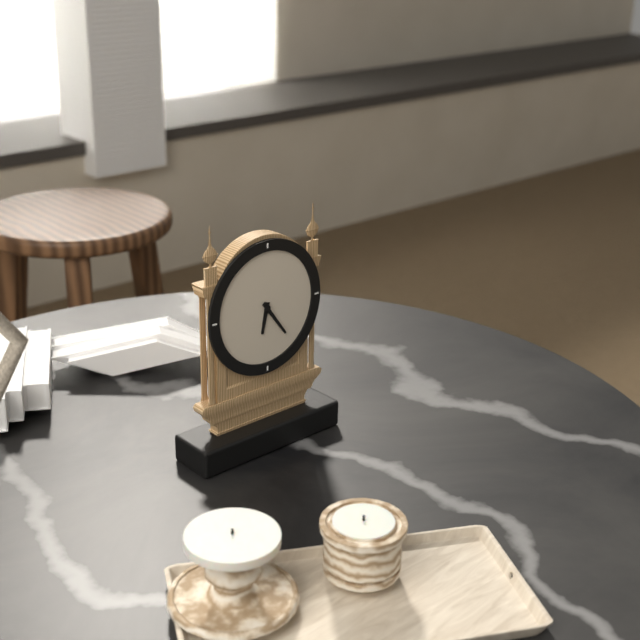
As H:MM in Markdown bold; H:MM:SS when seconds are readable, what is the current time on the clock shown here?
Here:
**6:24**
